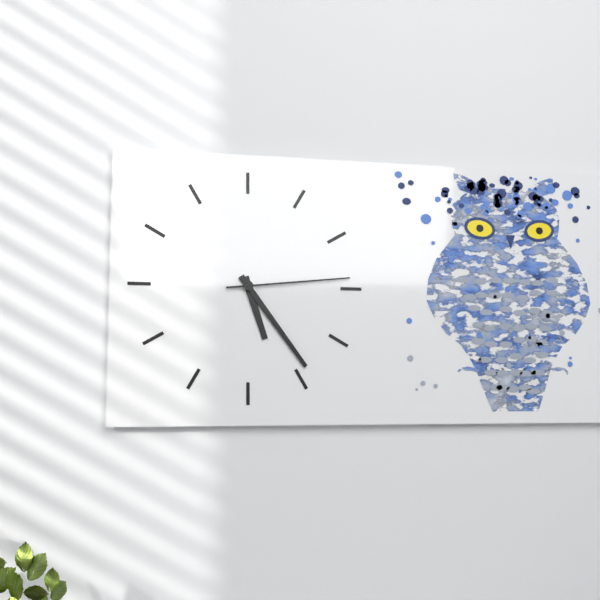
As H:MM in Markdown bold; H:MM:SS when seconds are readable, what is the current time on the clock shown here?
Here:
**5:24:14**
